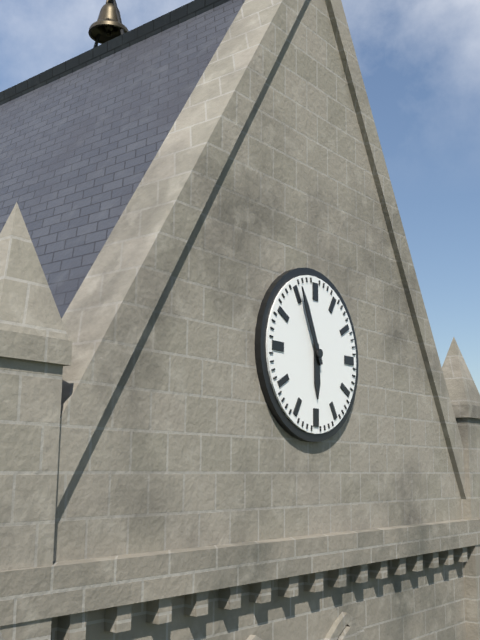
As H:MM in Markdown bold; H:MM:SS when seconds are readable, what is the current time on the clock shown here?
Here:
**5:56**
